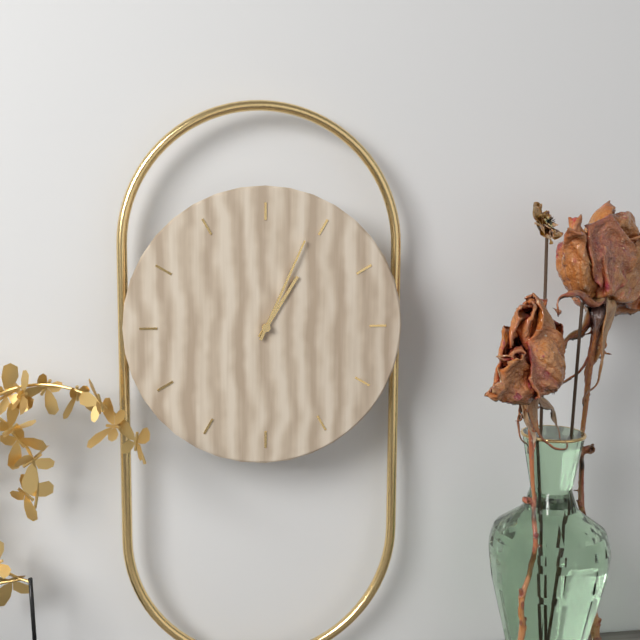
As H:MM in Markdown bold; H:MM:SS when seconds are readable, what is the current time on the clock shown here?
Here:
**1:04**
